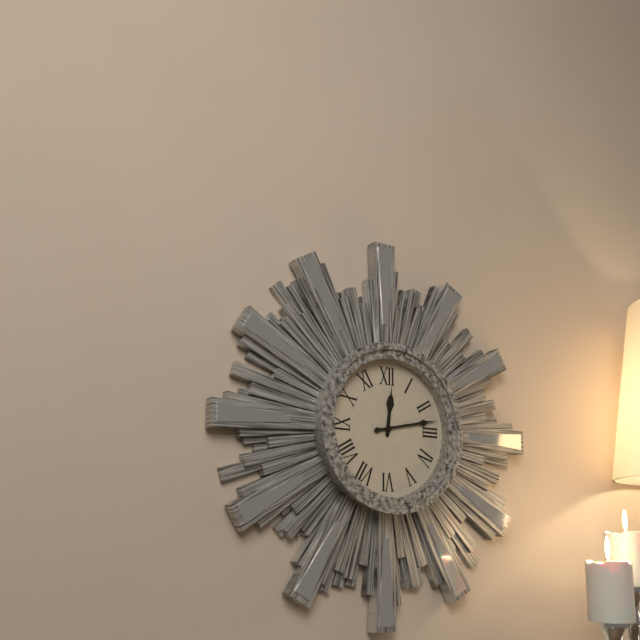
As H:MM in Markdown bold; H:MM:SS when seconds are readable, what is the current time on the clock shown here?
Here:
**12:13**
